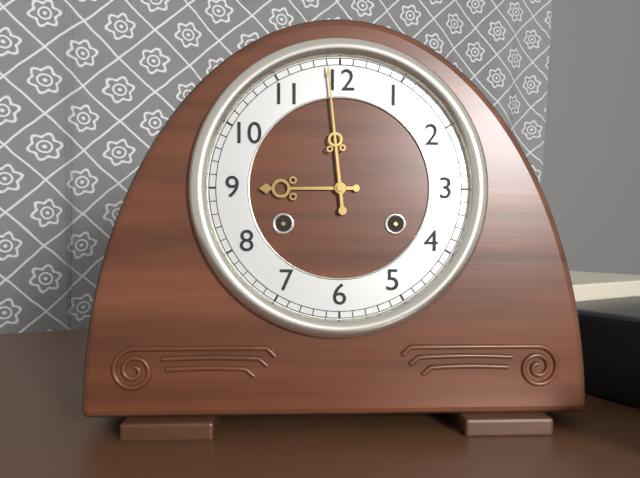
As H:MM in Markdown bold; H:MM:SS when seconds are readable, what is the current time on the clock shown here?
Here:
**8:59**
